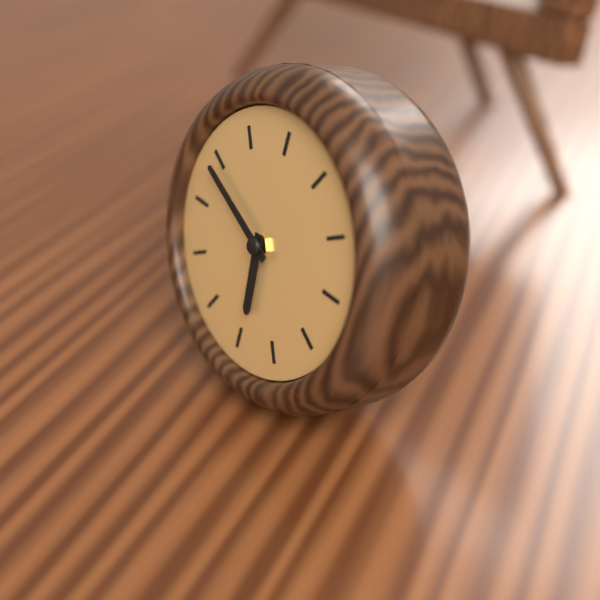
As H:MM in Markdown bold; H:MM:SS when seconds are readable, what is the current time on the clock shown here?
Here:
**5:49**
